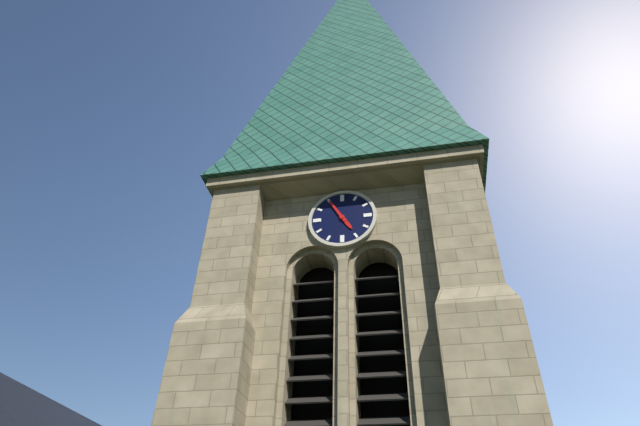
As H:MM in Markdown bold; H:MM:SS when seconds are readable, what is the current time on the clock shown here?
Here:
**4:55**
